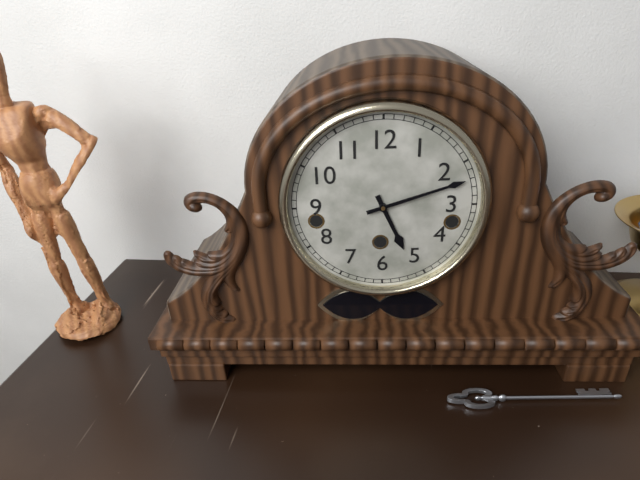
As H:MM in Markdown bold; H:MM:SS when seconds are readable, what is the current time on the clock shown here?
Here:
**5:12**
